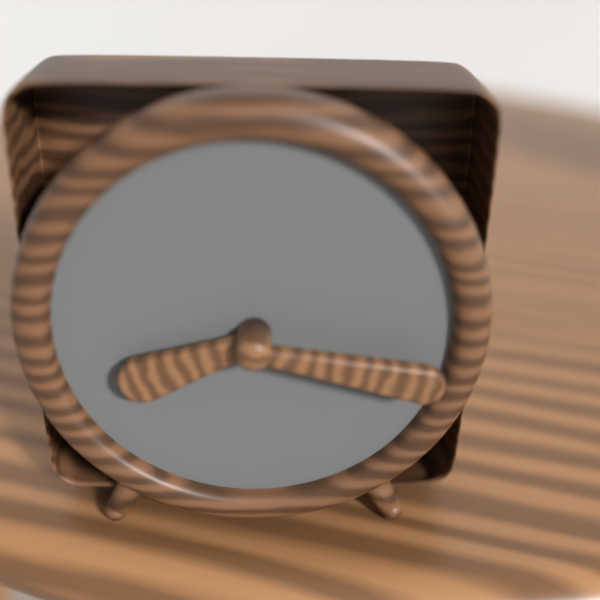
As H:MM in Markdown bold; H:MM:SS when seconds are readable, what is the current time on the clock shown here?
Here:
**8:17**
